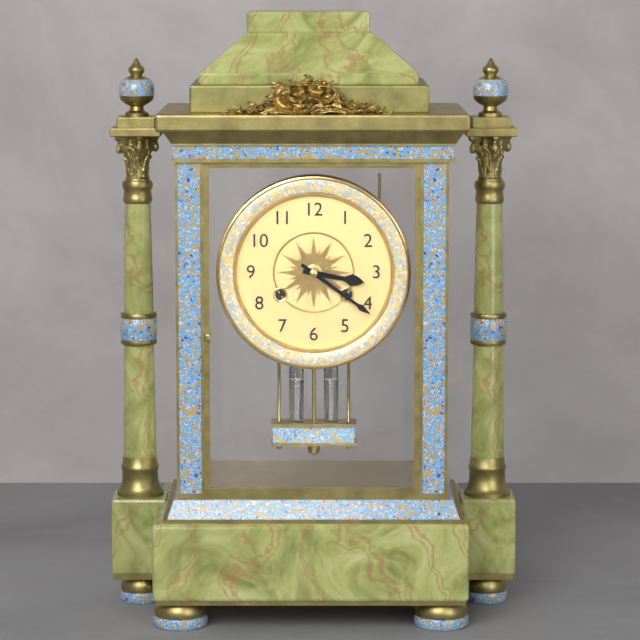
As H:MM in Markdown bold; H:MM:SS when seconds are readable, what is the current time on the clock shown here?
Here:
**3:21**
